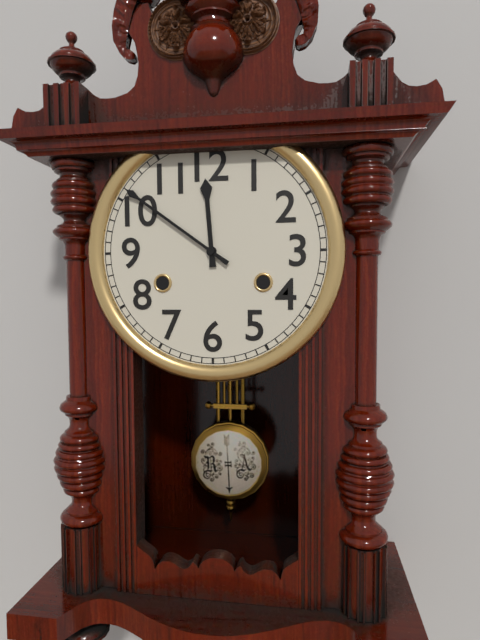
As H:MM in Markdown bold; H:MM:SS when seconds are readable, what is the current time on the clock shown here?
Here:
**11:51**
